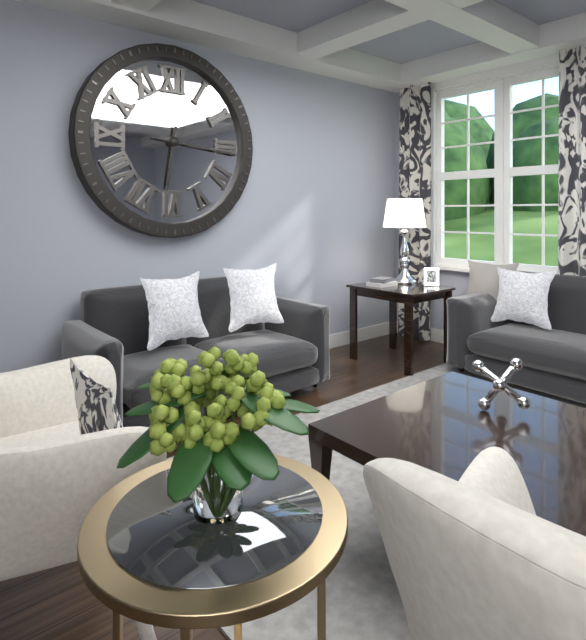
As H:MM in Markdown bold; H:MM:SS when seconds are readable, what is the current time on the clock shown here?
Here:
**6:16**
